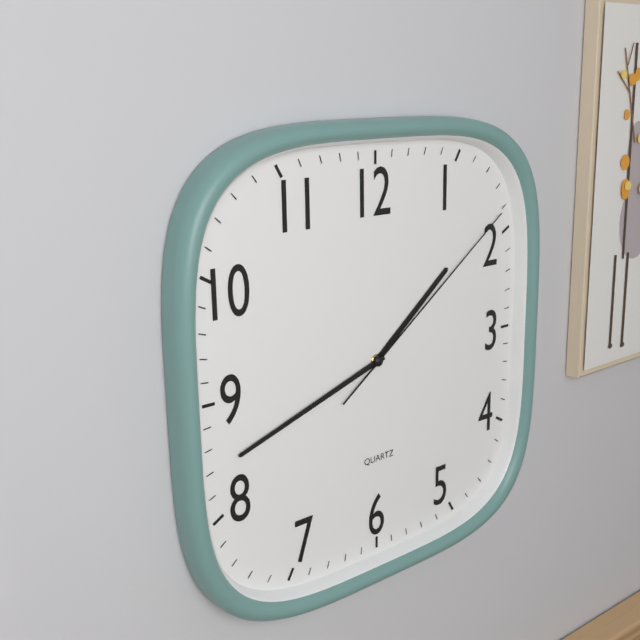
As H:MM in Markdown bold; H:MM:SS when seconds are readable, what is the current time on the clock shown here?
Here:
**1:42:09**
